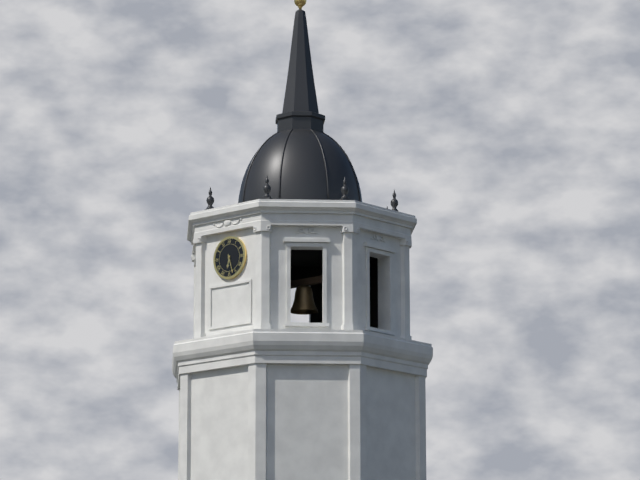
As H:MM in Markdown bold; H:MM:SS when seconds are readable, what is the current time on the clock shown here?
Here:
**6:27**
